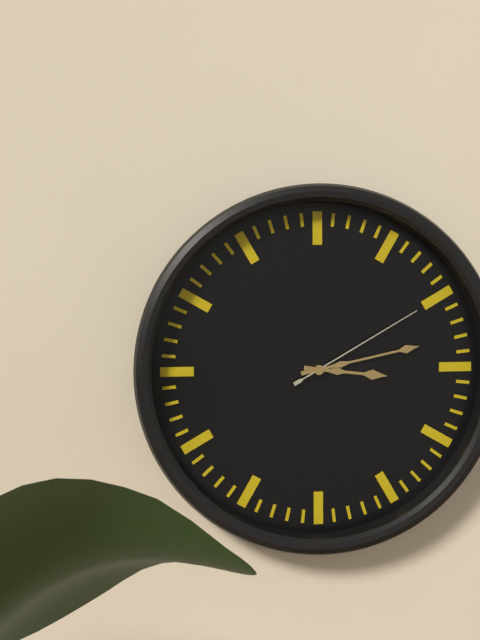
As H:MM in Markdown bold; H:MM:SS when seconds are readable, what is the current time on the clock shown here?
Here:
**3:13:10**
